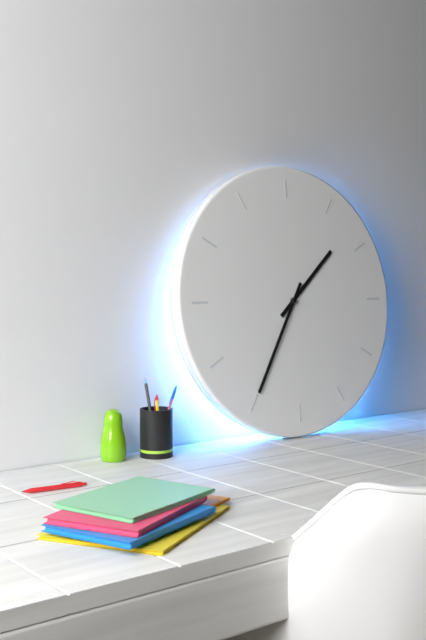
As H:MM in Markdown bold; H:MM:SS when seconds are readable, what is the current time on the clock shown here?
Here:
**1:35**
